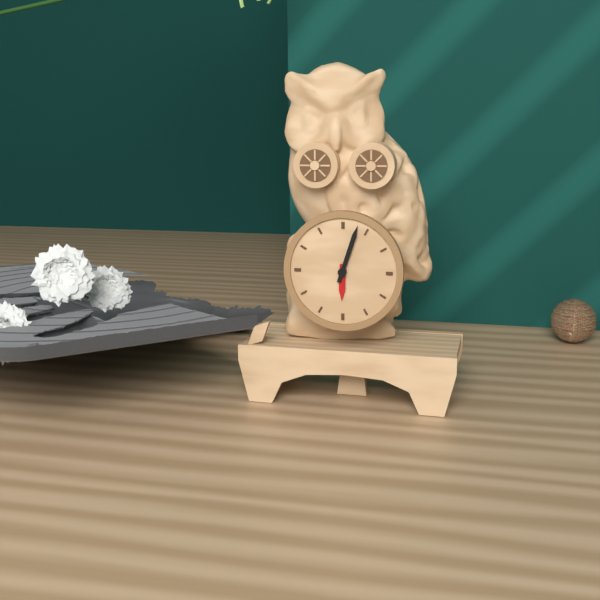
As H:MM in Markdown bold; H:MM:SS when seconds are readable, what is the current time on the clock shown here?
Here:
**6:03**
